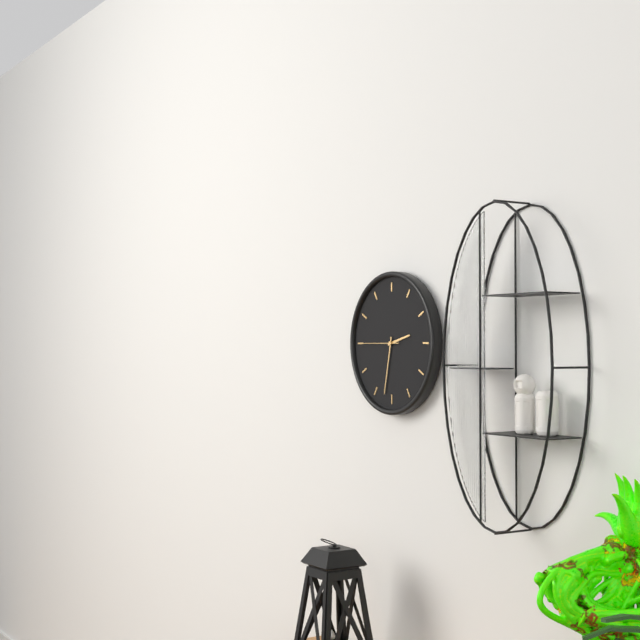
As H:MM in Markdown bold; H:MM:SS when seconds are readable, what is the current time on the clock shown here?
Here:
**2:32**
